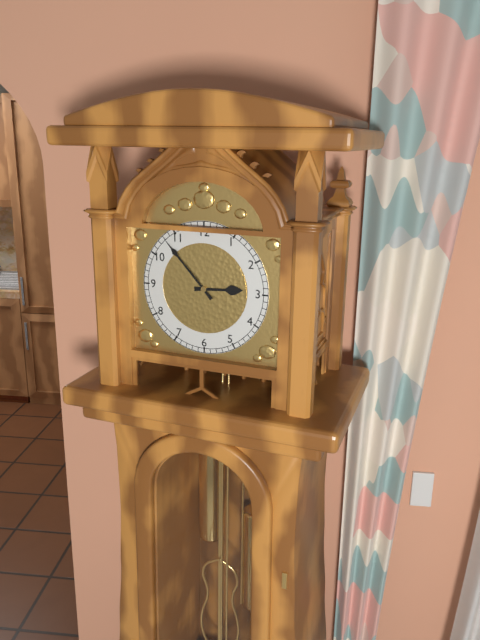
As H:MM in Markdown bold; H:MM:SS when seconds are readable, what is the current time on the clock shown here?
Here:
**2:53**
